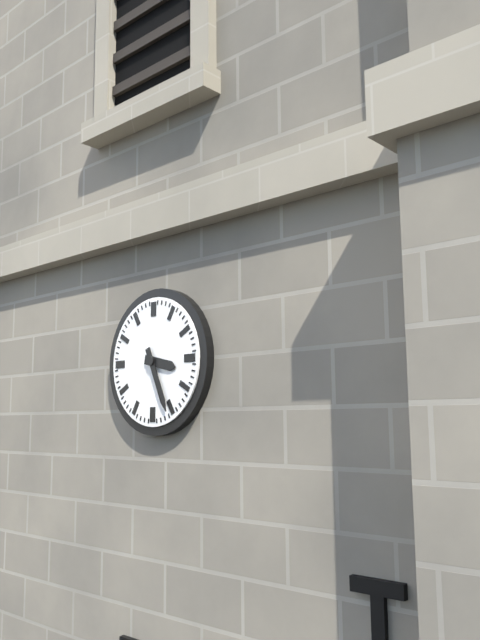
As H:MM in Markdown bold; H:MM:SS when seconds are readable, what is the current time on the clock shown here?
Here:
**3:26**
